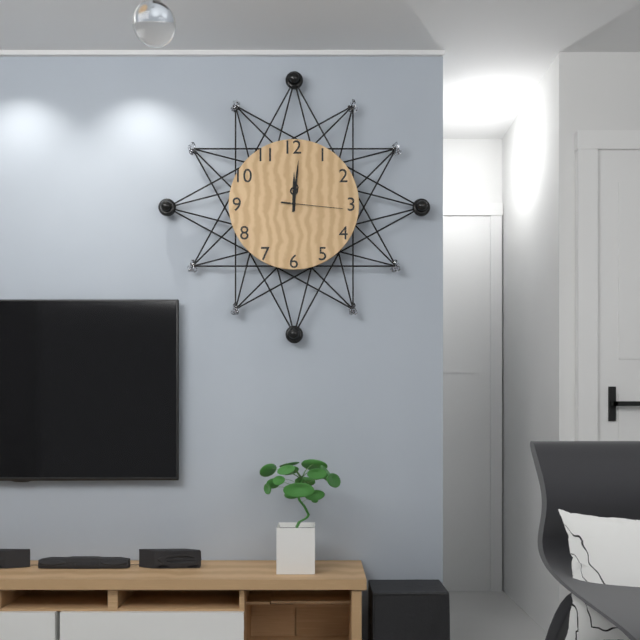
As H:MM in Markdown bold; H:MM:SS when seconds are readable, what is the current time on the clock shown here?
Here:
**12:01:16**
